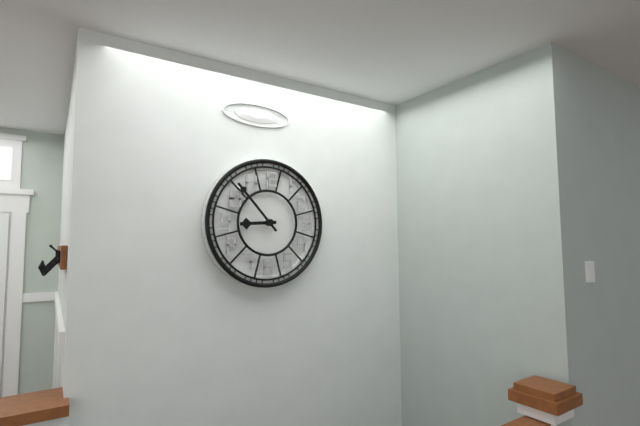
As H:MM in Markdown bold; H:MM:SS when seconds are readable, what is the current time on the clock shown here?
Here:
**8:53**
